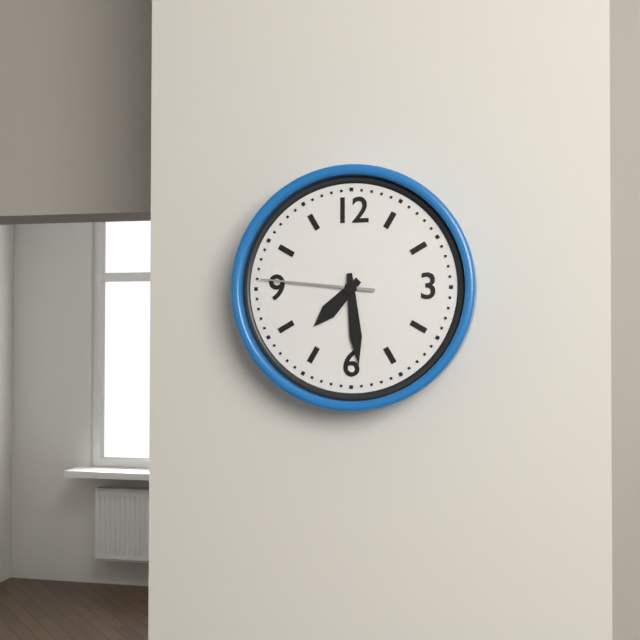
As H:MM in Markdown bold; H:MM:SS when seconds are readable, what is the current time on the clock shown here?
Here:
**7:29:46**
